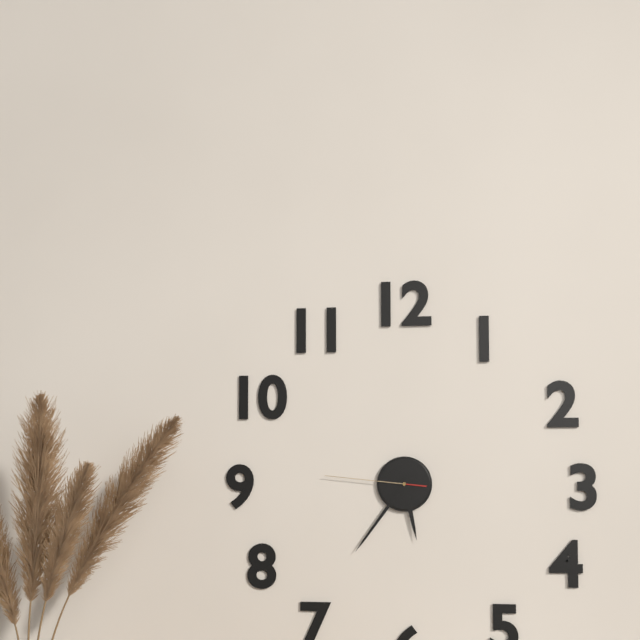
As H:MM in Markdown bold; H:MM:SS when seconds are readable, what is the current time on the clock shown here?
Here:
**5:36:46**
